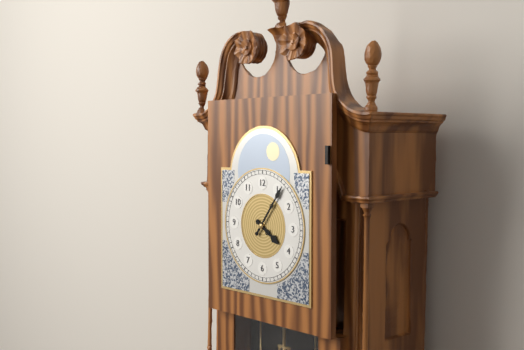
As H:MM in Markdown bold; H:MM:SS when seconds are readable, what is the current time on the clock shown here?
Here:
**4:06**
